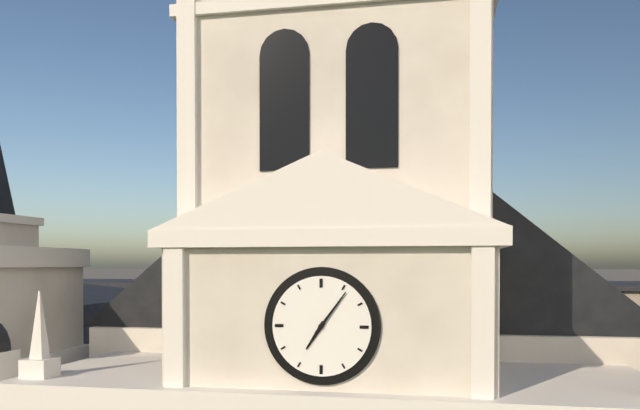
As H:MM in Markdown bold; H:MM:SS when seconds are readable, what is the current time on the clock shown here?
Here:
**7:06**
